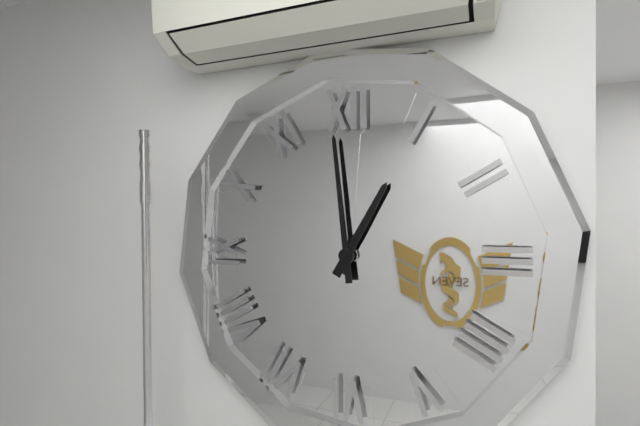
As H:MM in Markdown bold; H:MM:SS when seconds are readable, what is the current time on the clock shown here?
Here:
**12:59**
